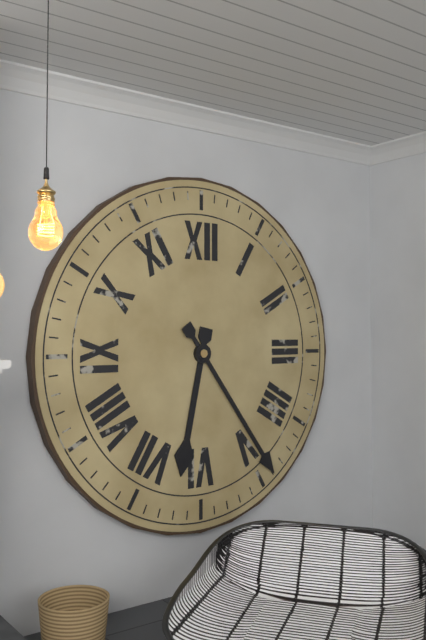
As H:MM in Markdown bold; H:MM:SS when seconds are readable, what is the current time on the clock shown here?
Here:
**6:24**
